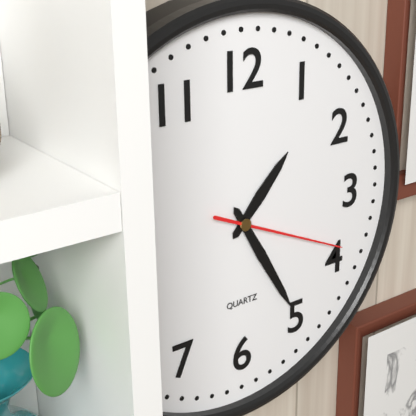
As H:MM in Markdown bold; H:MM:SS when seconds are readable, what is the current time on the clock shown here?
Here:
**1:25:19**
